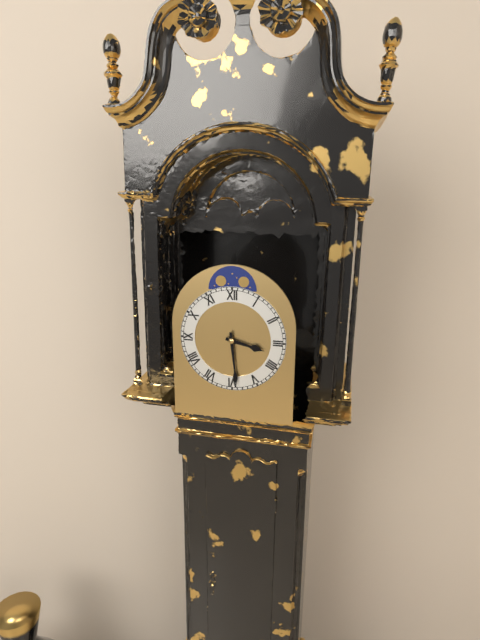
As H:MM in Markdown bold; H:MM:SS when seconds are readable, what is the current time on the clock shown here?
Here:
**3:29**
